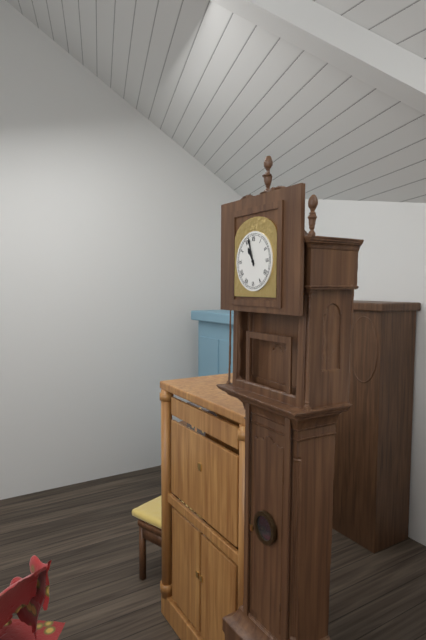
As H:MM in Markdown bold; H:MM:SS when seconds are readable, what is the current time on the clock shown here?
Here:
**10:57**
